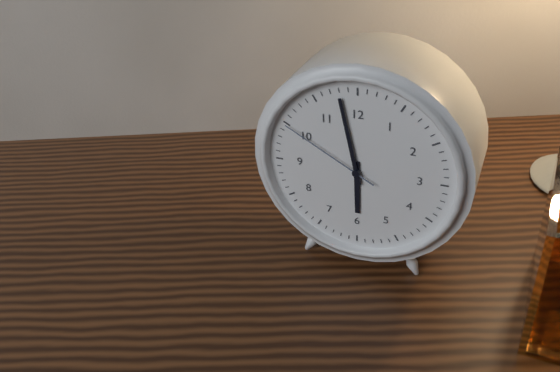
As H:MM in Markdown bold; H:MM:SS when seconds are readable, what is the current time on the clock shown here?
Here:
**5:58:50**
